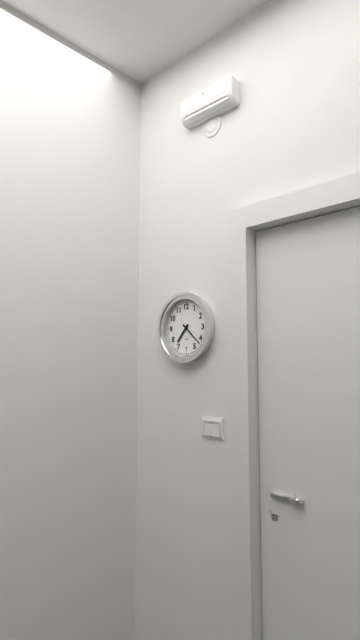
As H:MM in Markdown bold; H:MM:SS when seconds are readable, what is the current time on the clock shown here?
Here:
**7:22**
